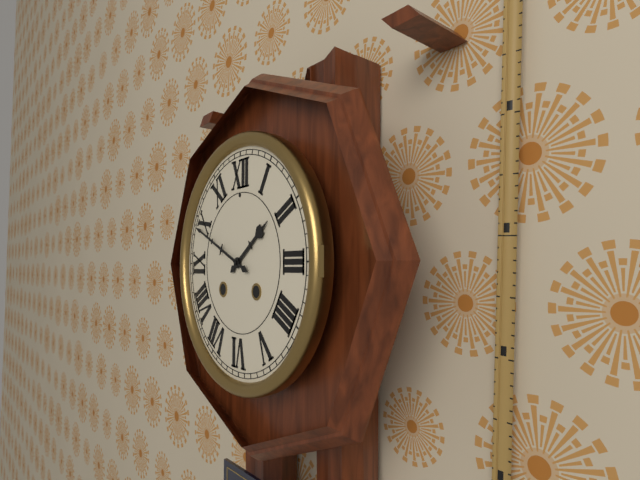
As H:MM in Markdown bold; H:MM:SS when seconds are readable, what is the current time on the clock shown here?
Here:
**1:49**
